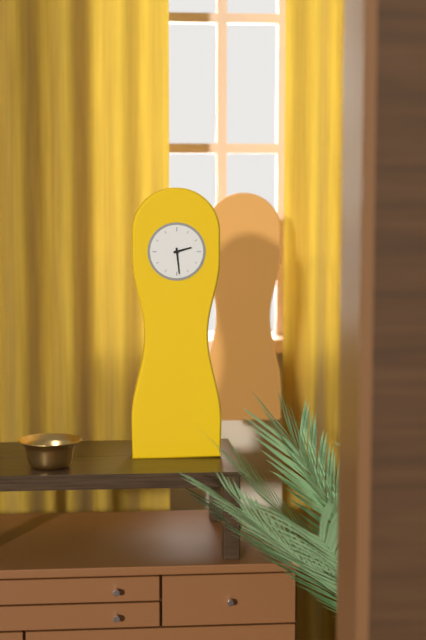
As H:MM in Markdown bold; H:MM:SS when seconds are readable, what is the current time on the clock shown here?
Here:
**2:29**
